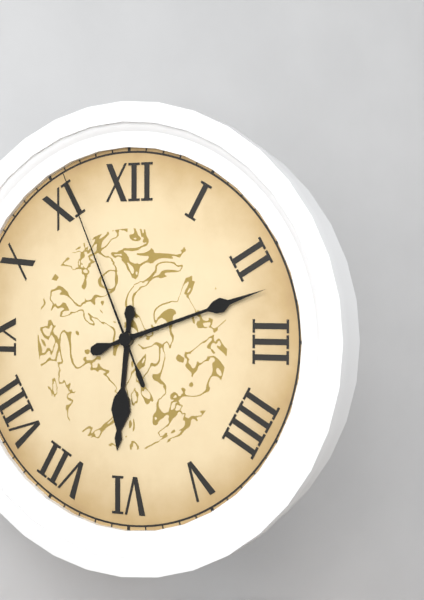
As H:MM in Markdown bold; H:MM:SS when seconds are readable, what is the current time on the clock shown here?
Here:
**6:12:56**
